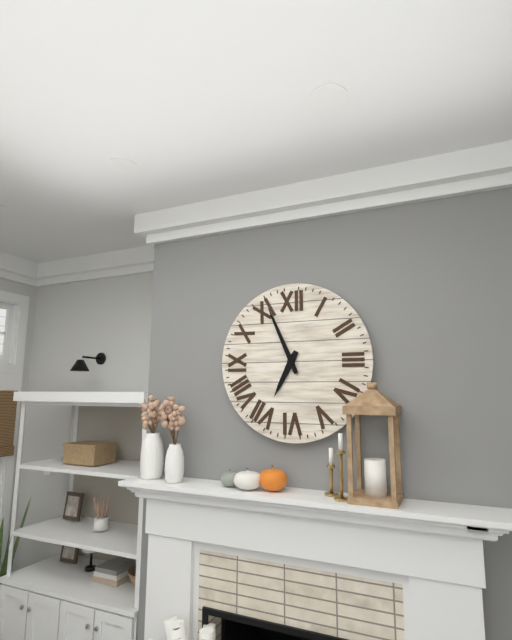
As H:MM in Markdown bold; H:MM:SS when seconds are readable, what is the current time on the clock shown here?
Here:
**6:56**
